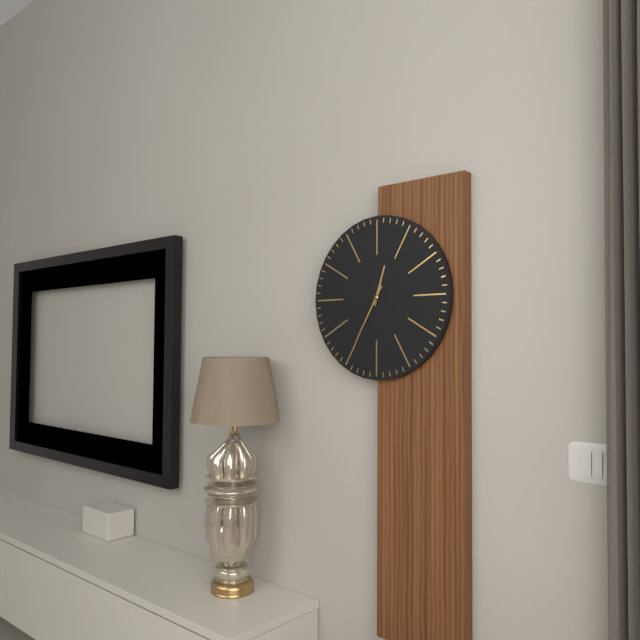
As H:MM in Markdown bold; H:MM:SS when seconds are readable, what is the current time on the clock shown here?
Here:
**12:35**
